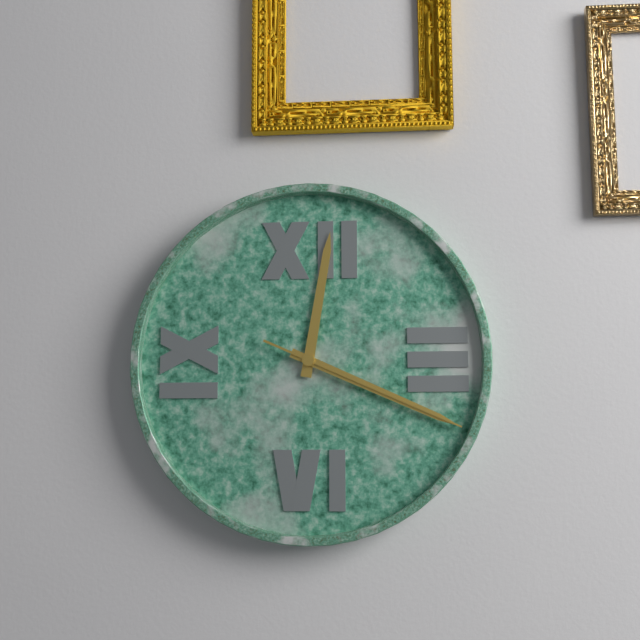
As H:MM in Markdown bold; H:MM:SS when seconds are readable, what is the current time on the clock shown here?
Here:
**12:19:19**
